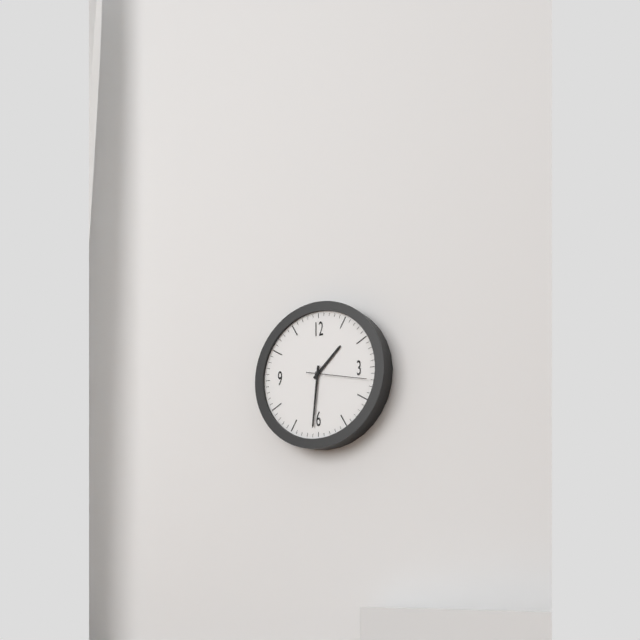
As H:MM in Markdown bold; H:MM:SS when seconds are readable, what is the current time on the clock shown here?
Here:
**1:31:17**
